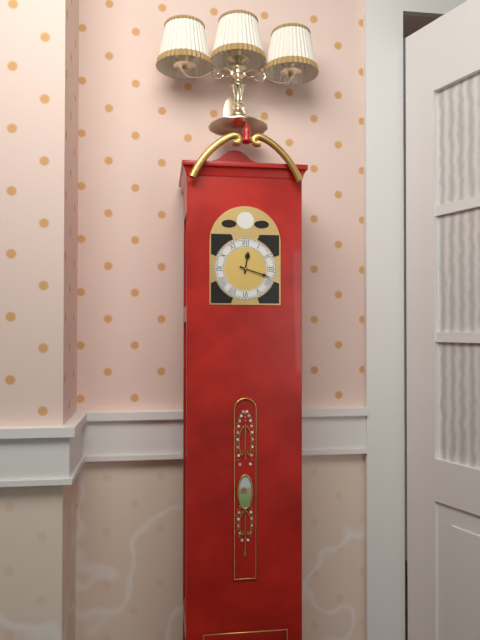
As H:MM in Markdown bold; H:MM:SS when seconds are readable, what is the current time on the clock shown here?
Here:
**12:18**
